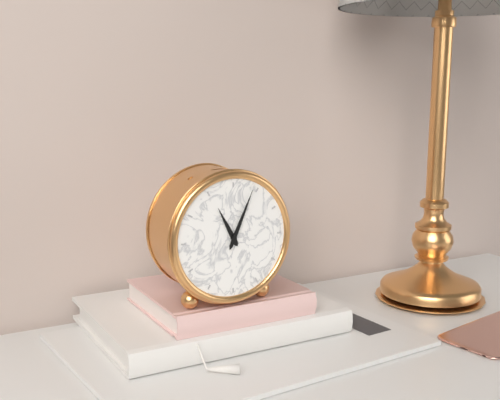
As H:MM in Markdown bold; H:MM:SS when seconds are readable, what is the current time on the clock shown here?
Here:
**11:04**
